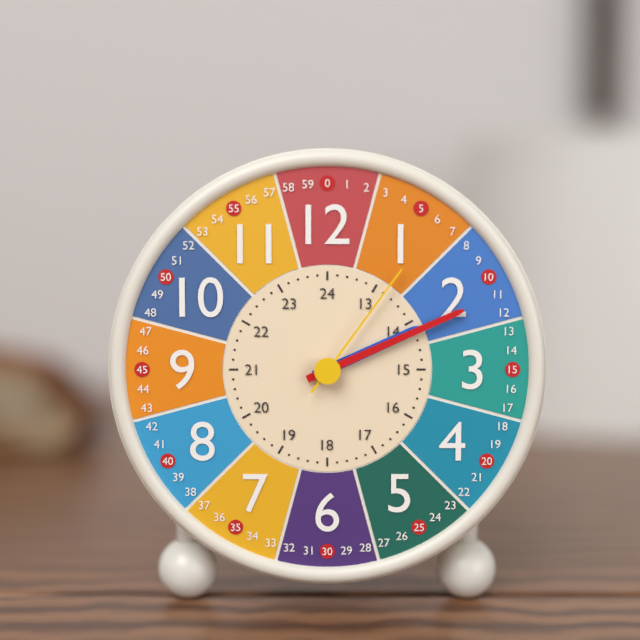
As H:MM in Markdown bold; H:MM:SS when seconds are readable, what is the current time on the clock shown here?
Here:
**2:11:06**
